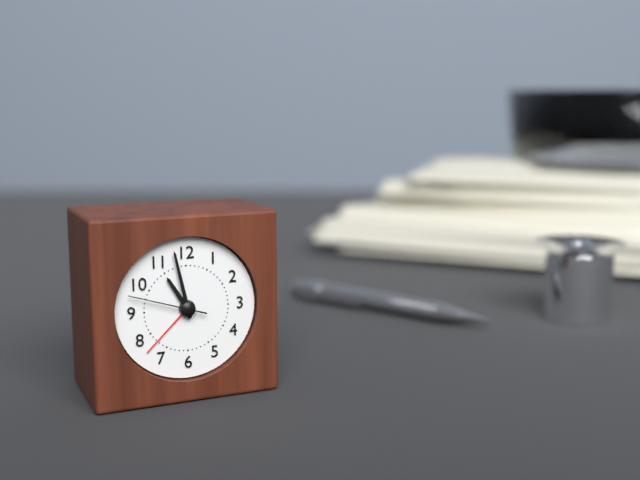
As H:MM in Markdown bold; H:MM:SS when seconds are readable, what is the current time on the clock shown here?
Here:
**10:58:48**
